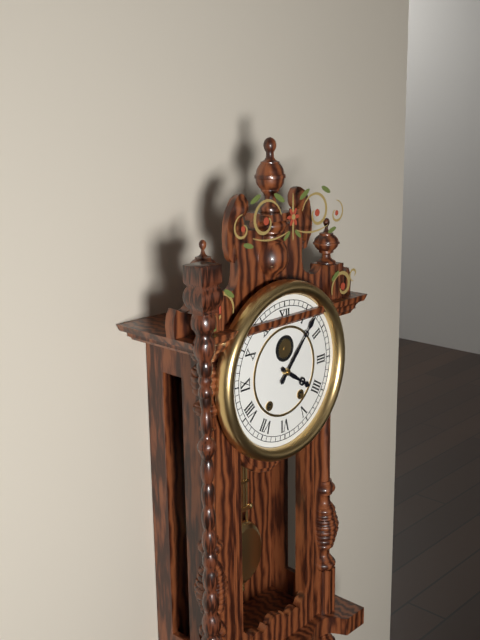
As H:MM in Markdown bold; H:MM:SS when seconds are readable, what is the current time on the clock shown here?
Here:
**4:07**
